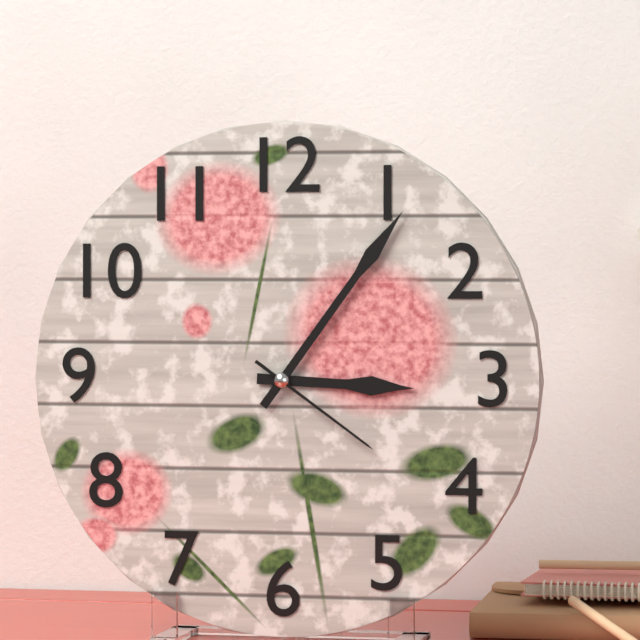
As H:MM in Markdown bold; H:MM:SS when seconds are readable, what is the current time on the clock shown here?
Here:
**3:06:21**
